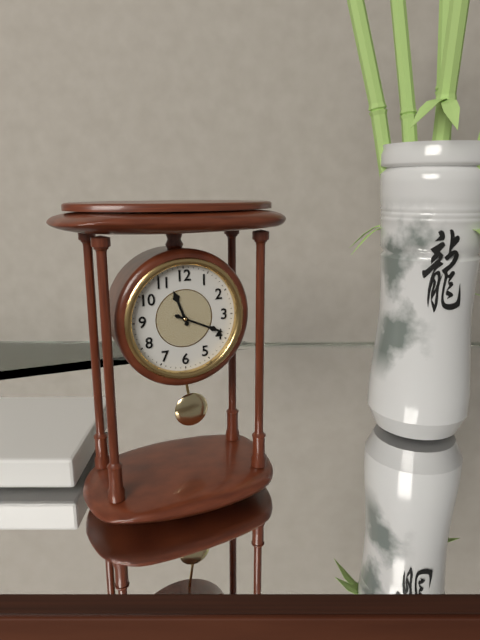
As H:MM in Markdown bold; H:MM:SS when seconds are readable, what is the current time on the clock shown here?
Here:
**11:19**
